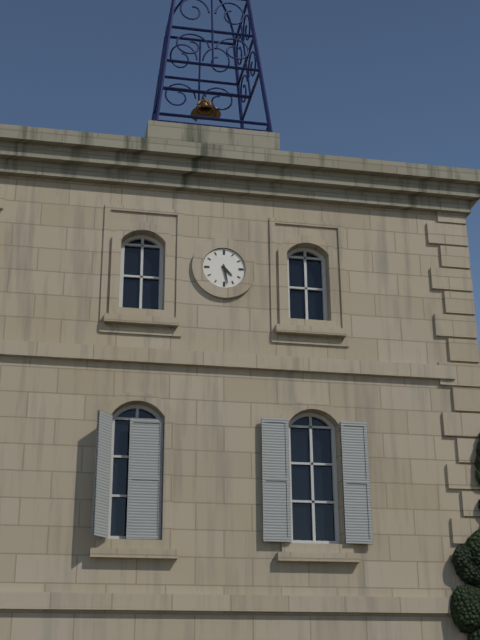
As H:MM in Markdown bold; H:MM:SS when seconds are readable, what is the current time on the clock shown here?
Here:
**4:28**
